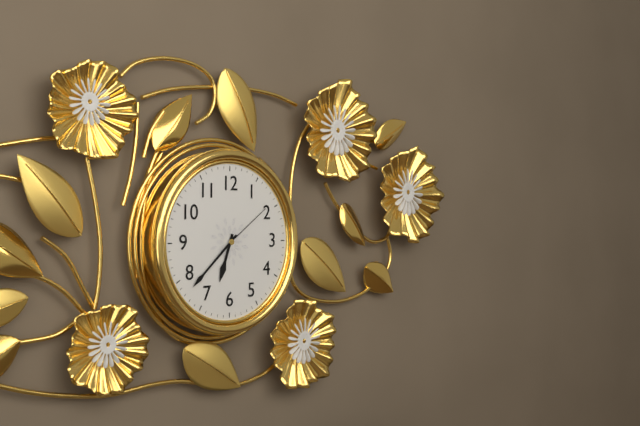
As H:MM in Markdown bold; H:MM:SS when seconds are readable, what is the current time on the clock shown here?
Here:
**6:38:09**
